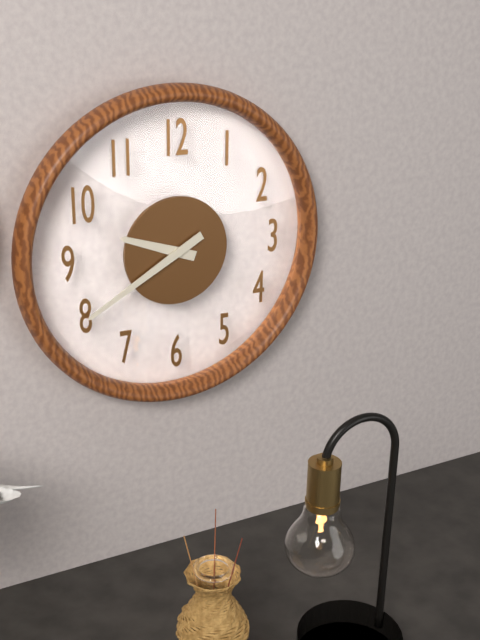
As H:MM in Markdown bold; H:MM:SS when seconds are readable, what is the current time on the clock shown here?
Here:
**9:40**
